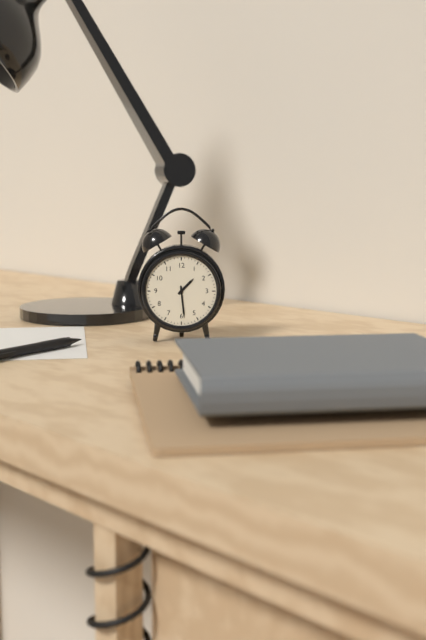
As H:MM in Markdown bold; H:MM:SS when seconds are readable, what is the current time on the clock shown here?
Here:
**1:29**
